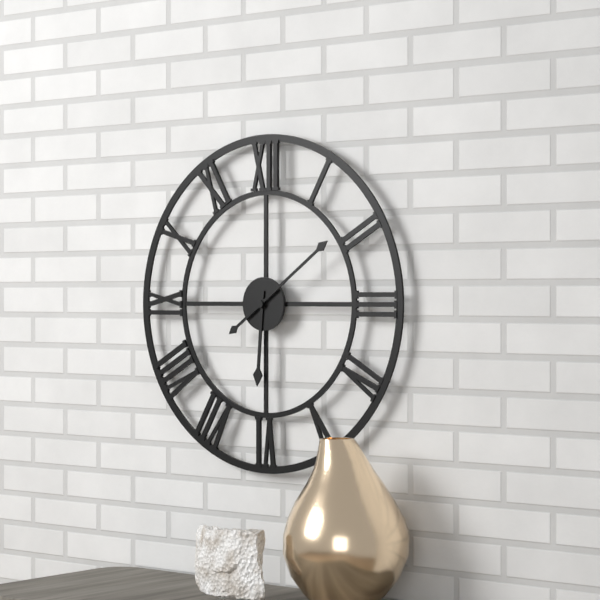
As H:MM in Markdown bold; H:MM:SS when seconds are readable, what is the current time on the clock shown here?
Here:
**6:09**
